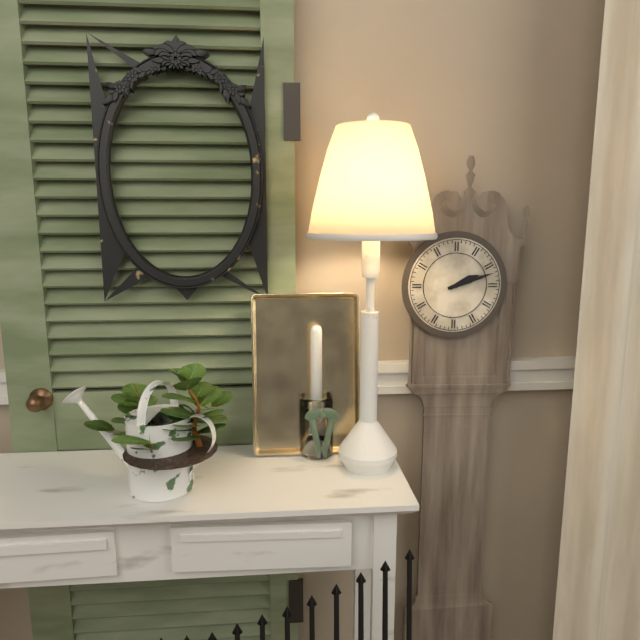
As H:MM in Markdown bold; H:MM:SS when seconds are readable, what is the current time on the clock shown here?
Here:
**2:12**
